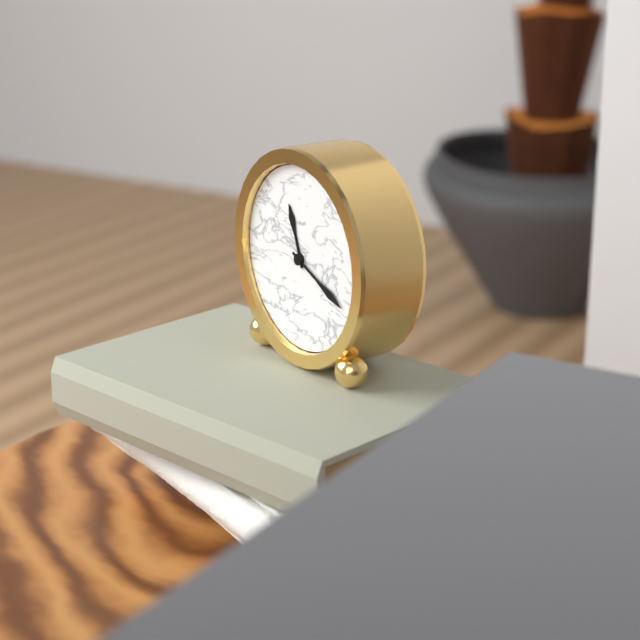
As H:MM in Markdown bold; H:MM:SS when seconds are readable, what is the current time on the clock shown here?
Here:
**11:19**
